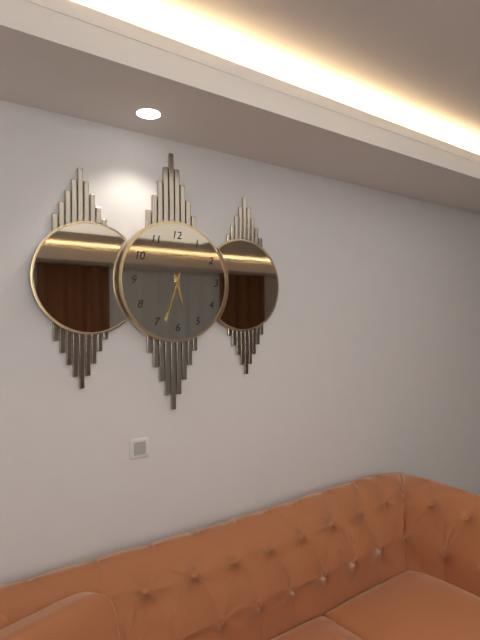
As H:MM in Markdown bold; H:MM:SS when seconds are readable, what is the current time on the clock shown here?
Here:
**5:33**
